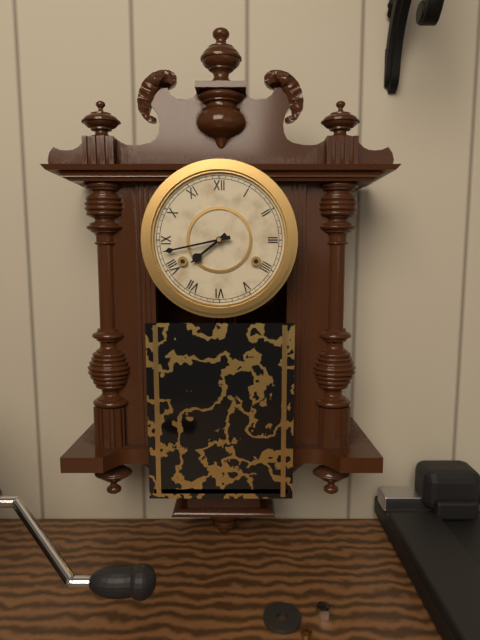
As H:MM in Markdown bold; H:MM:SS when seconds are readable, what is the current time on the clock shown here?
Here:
**7:43**
